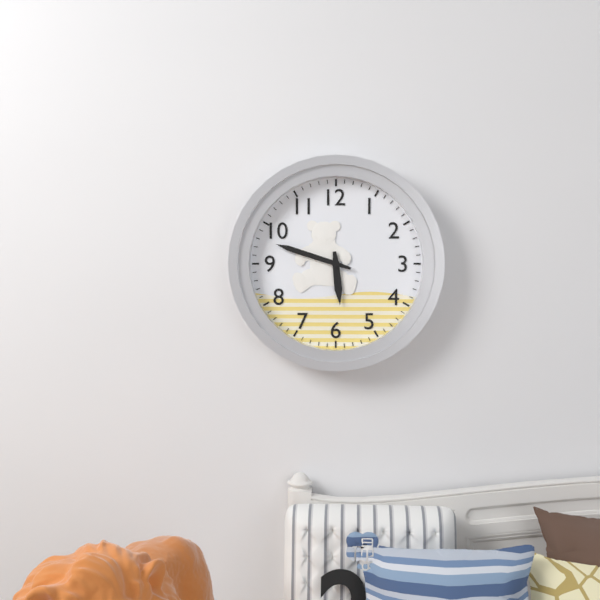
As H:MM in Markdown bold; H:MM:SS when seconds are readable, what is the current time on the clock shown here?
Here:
**5:48**
